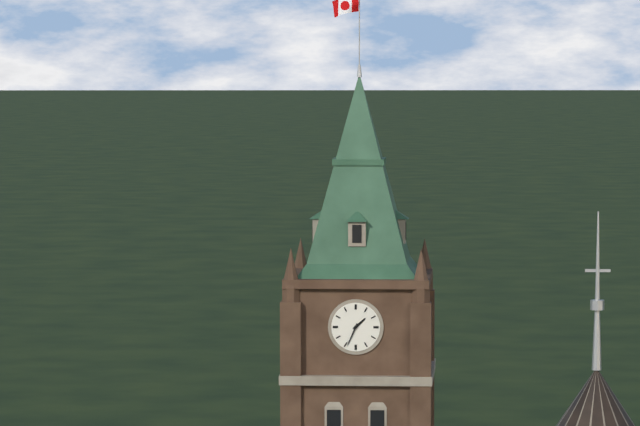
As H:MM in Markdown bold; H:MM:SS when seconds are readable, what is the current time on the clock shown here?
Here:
**1:34**
